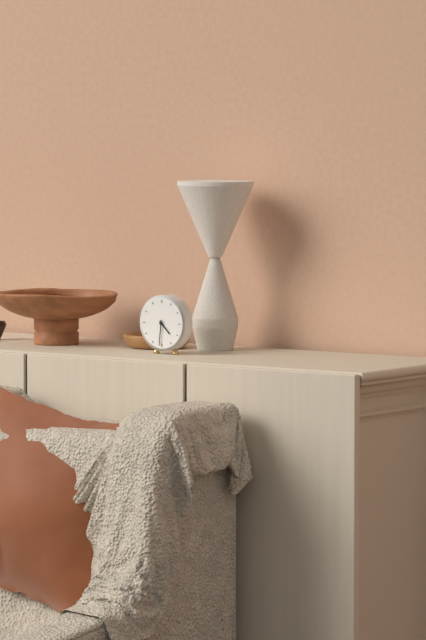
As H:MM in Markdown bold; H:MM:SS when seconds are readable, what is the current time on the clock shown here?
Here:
**4:31**
